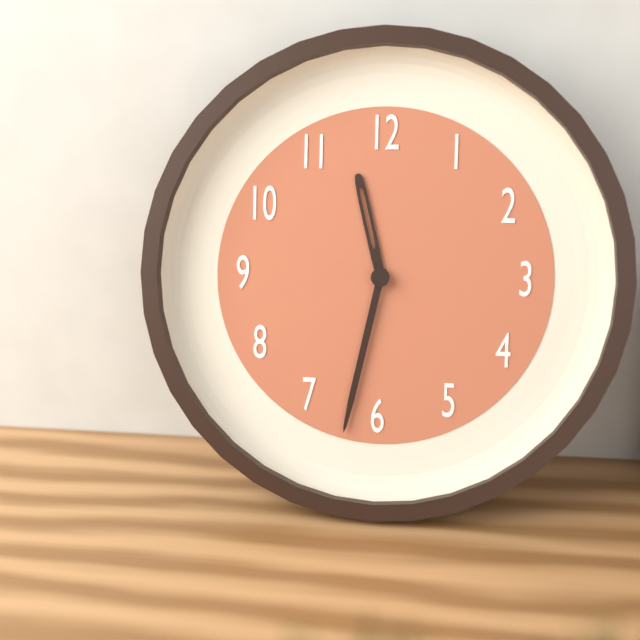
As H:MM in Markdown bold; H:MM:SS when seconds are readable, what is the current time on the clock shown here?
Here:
**11:32**
